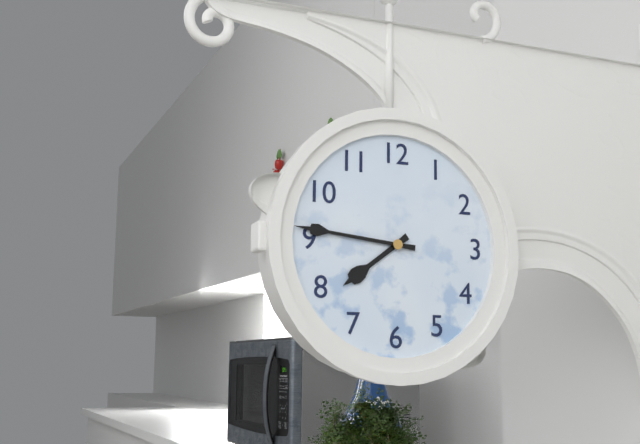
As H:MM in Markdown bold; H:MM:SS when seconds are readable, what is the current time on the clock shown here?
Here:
**7:46**
